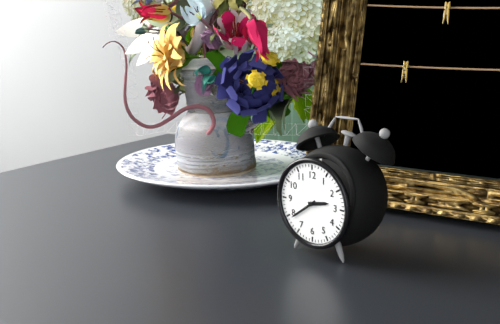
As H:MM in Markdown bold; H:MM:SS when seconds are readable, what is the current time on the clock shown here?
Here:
**2:39**
